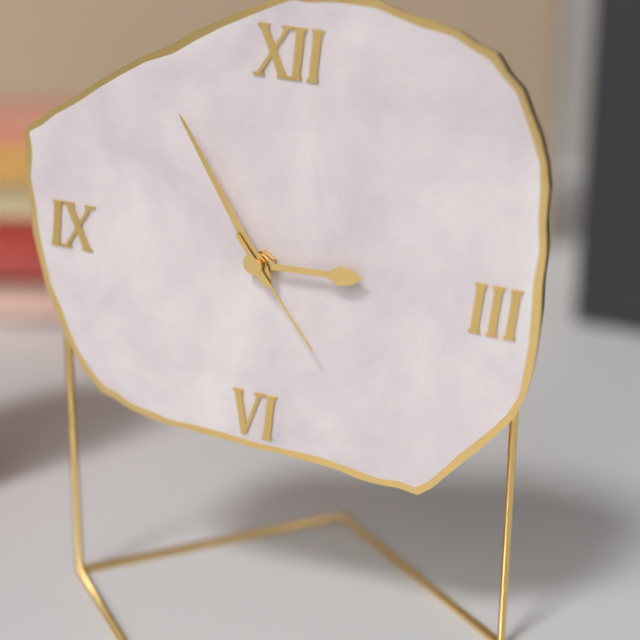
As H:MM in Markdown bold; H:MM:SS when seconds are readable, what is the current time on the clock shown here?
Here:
**2:54:23**
